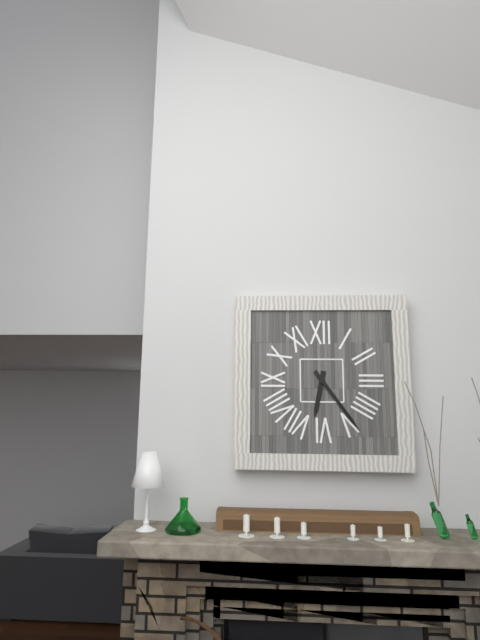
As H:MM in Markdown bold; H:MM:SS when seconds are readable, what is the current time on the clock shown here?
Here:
**6:24**
